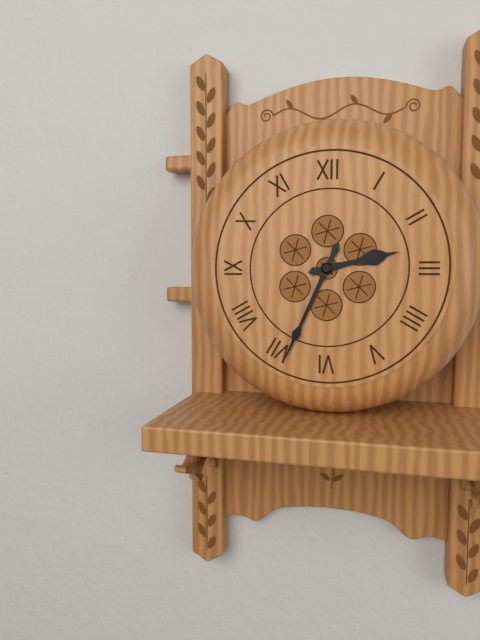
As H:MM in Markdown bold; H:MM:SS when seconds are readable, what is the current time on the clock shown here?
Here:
**2:34**
